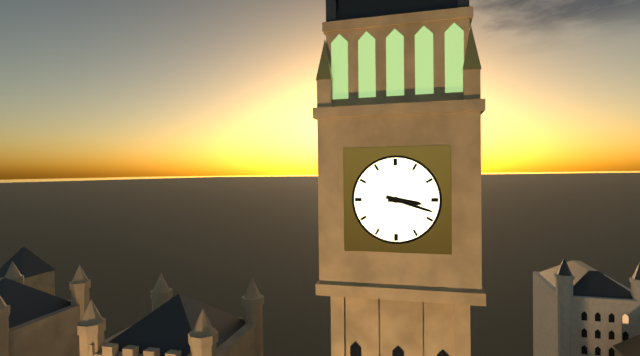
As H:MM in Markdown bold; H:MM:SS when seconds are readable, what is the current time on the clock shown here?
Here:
**3:18**
